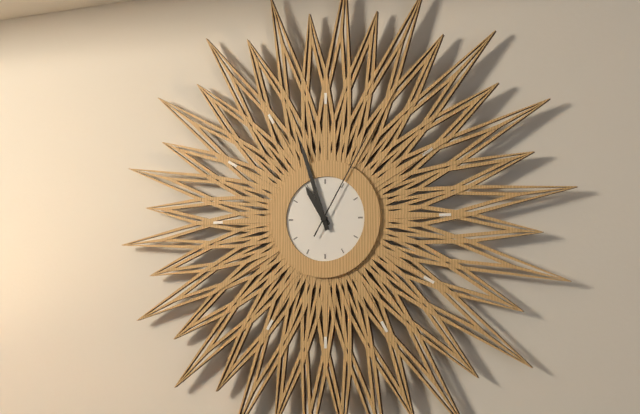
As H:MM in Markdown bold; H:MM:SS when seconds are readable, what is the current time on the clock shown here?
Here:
**10:57:05**
